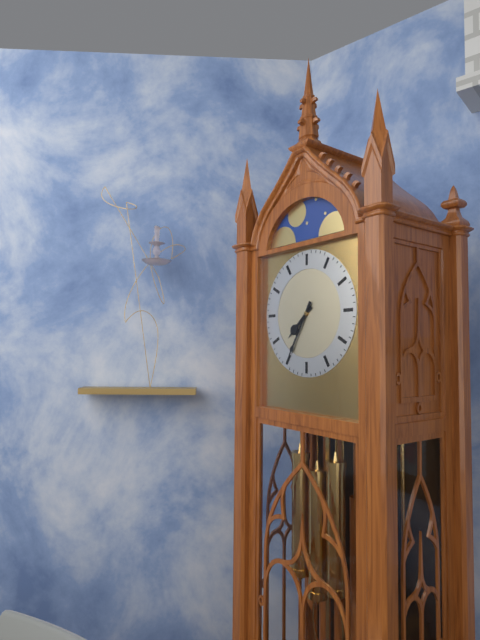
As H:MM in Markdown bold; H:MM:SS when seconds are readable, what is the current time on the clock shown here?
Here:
**7:35**
